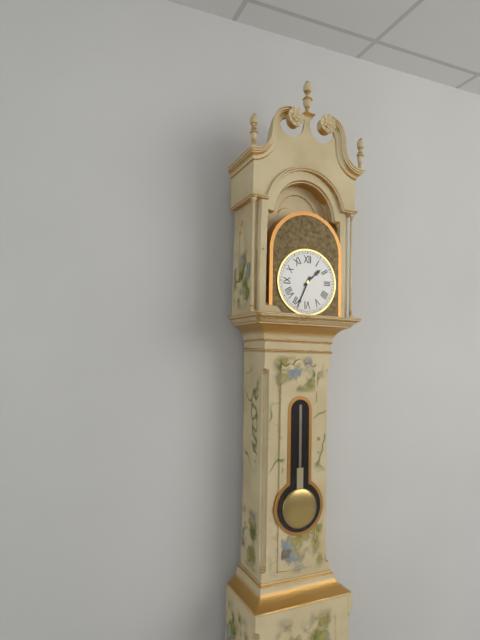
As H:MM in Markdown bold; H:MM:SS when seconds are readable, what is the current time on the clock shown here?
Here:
**1:34**
